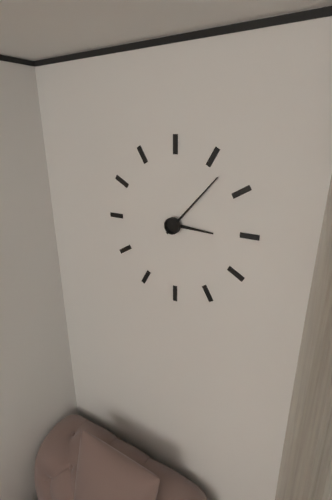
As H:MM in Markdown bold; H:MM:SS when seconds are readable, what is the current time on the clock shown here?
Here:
**3:07**
